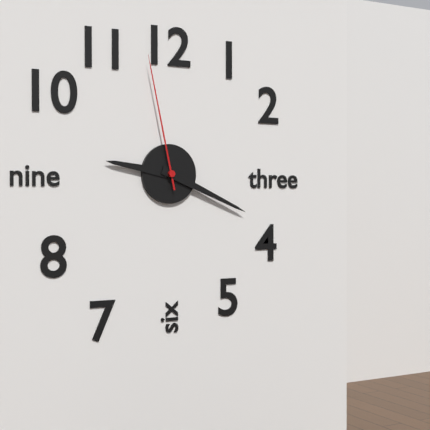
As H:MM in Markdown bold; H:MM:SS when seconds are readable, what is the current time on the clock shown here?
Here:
**9:19:58**
